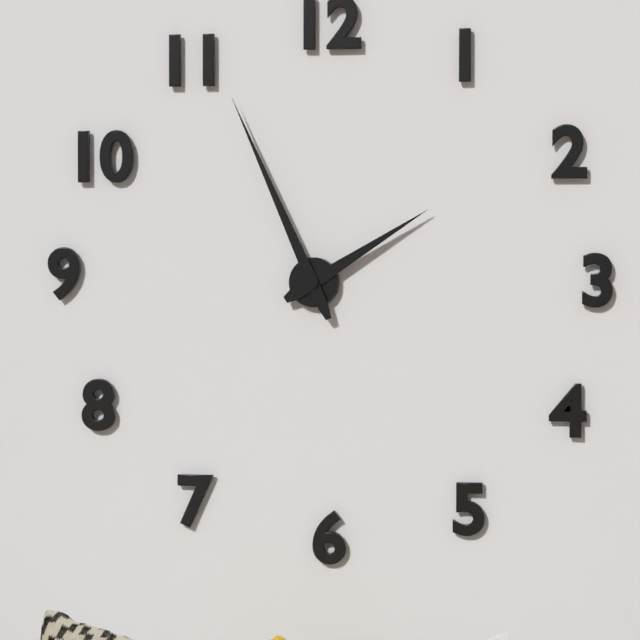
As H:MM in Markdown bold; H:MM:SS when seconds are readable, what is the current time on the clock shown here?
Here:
**1:56**
